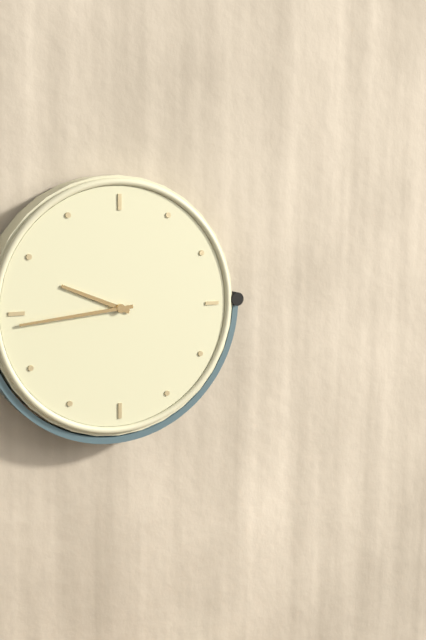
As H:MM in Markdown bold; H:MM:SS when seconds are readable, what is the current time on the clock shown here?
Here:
**9:44**
